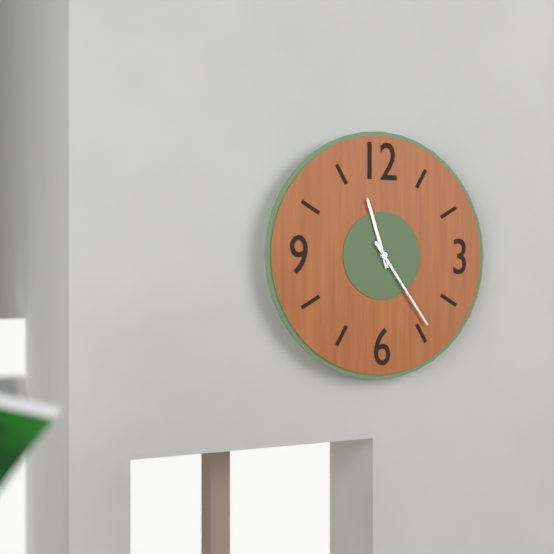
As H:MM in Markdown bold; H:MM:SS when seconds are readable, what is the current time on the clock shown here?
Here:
**11:24**
